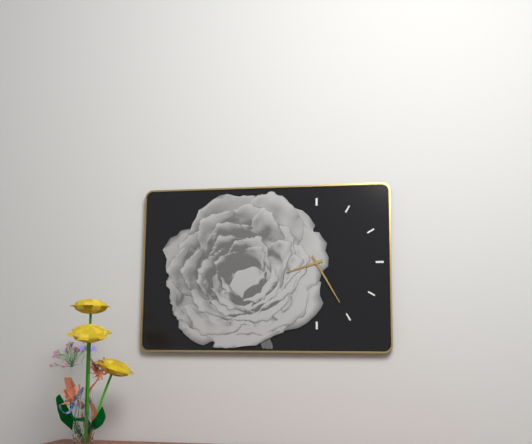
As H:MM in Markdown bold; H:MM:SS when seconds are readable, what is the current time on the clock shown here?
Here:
**8:25**
